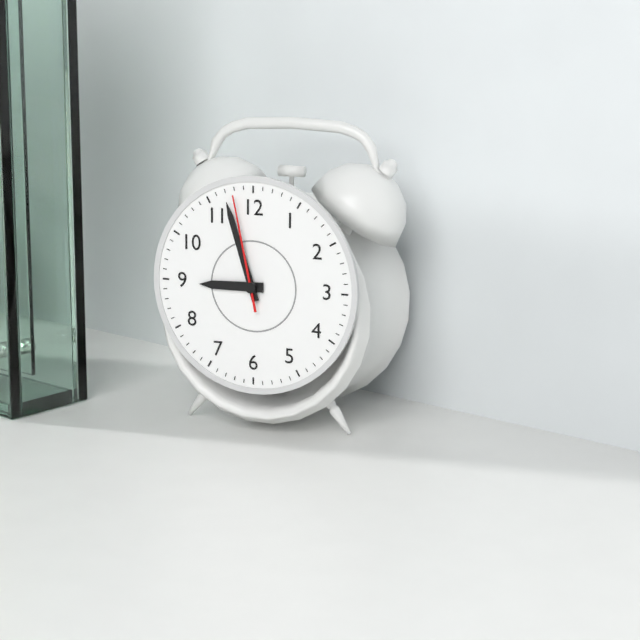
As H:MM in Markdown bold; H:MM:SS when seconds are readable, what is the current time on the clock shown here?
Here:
**8:57:58**
